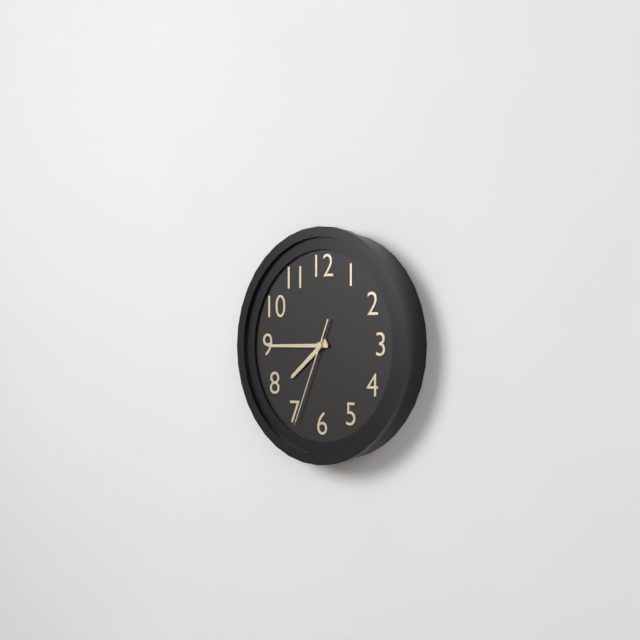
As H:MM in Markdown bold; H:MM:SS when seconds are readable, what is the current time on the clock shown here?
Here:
**7:45:34**
